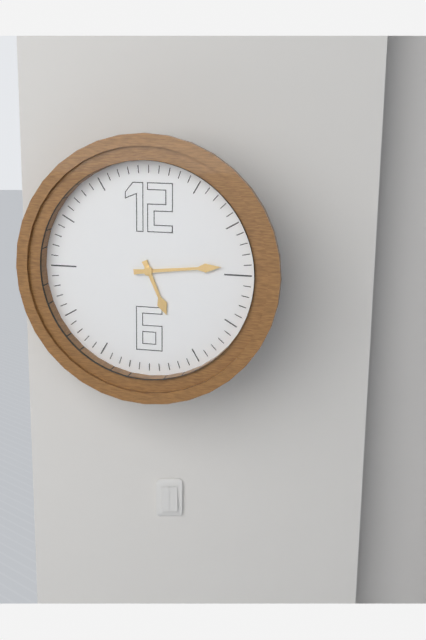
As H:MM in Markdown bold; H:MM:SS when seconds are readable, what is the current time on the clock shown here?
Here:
**5:14**
